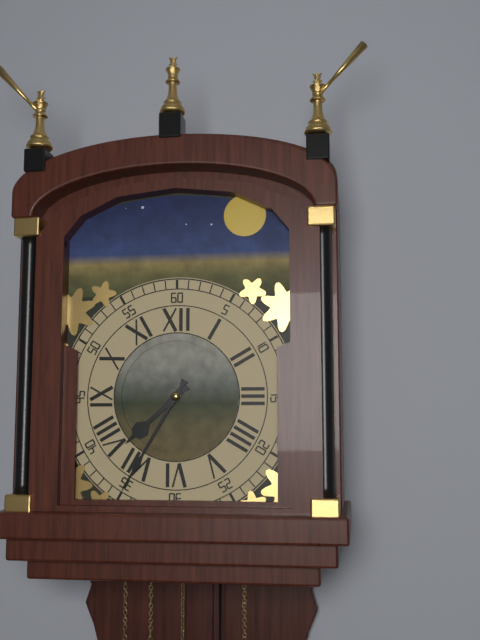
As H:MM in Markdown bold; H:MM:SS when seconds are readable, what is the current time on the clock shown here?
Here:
**7:35**
